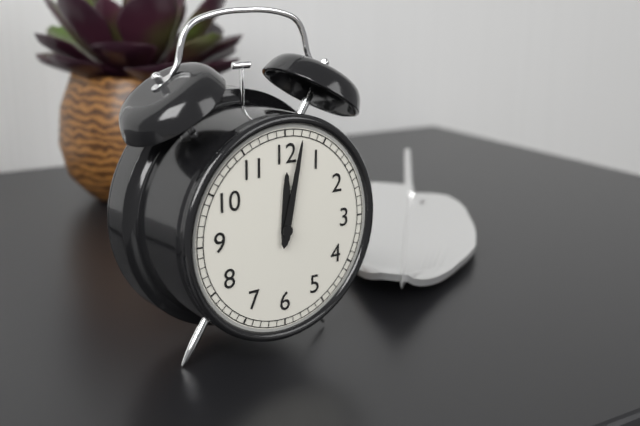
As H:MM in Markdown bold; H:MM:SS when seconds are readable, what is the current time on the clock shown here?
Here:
**12:02**
